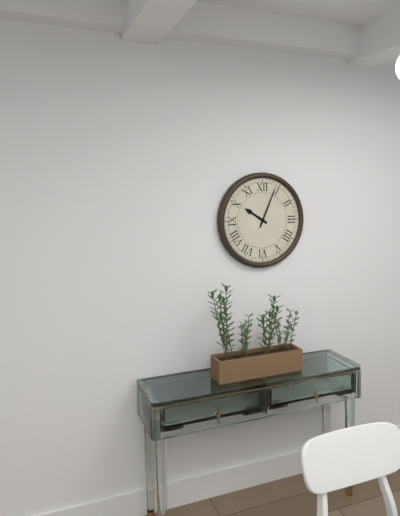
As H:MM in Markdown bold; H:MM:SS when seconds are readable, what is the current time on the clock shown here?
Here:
**10:04**
